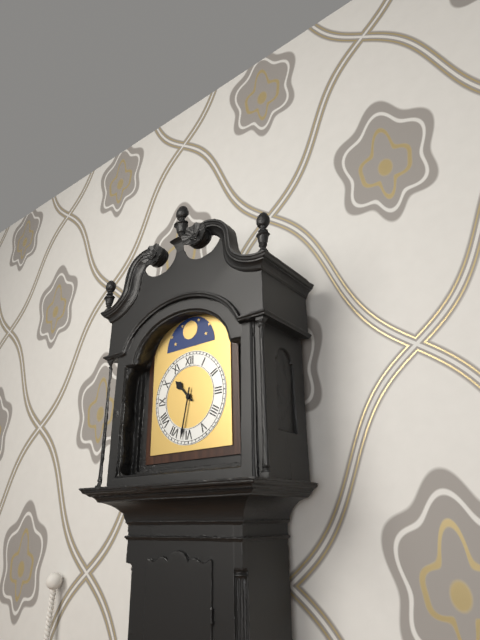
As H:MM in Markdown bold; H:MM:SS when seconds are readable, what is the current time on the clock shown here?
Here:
**10:32**
